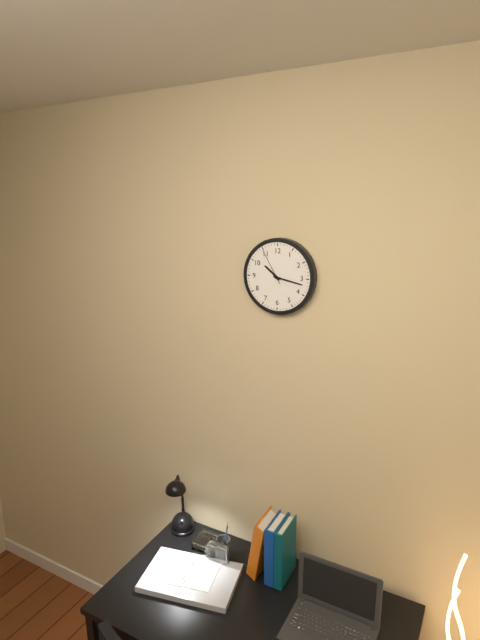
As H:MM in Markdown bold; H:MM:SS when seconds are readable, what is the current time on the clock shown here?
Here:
**10:17**
